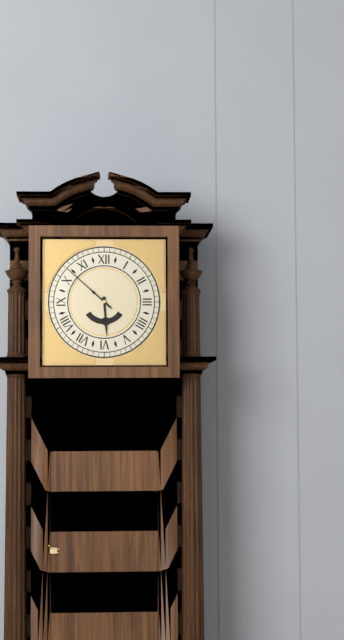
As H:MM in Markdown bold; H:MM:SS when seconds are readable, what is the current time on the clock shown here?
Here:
**5:52**
